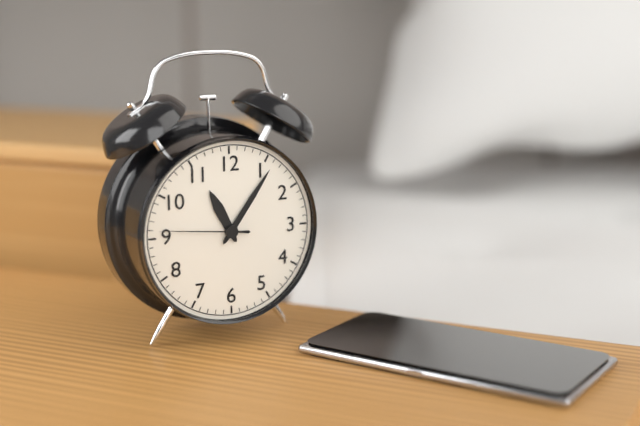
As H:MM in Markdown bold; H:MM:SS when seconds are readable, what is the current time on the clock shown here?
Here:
**11:06:46**
